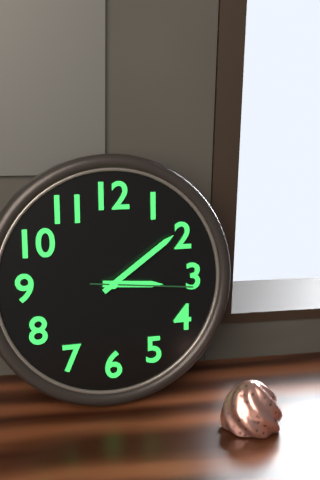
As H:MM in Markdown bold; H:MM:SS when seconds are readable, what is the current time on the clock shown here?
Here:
**3:09:16**
